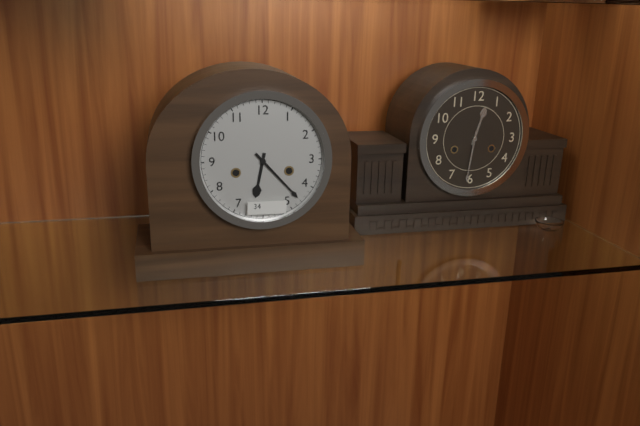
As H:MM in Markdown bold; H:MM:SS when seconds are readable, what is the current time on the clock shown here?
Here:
**6:23**
